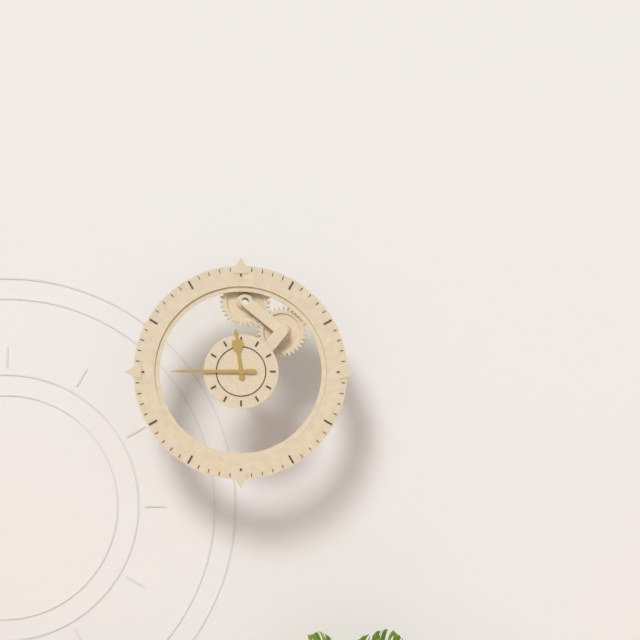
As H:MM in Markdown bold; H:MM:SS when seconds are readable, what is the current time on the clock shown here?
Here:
**11:45**
